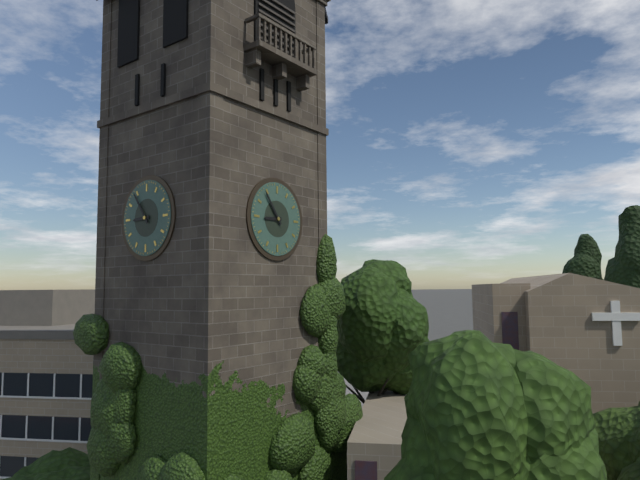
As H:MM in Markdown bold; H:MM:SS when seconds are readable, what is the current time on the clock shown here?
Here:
**8:54**
